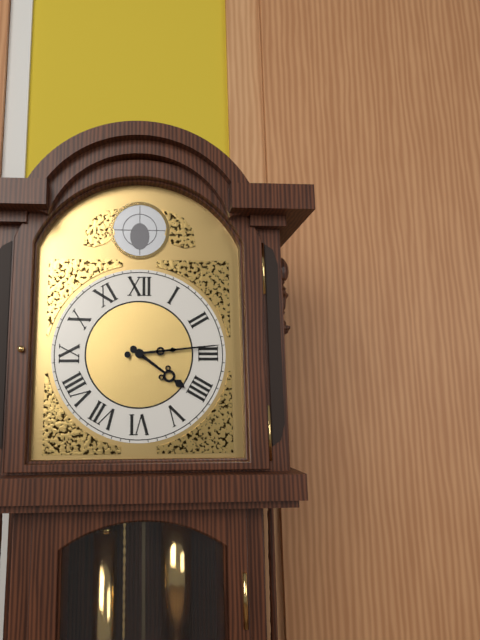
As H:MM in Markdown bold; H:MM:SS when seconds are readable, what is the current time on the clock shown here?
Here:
**4:14**
